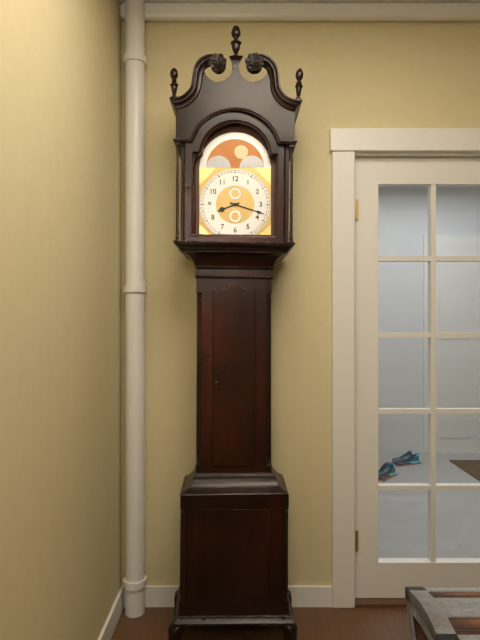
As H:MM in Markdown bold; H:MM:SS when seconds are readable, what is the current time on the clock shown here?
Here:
**8:18**
